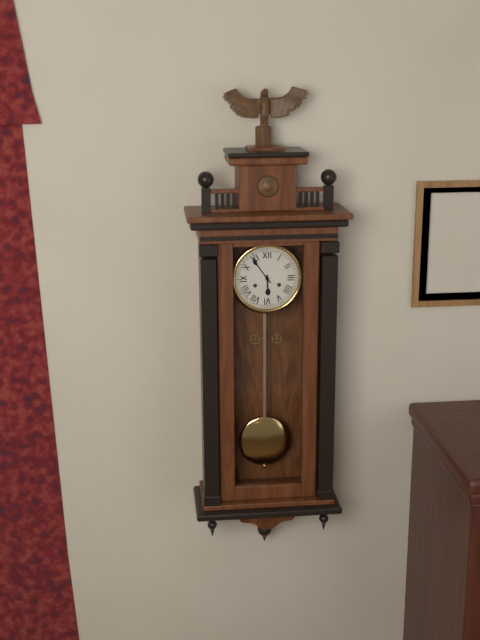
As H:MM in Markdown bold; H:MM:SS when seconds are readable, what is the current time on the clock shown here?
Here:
**5:54**
